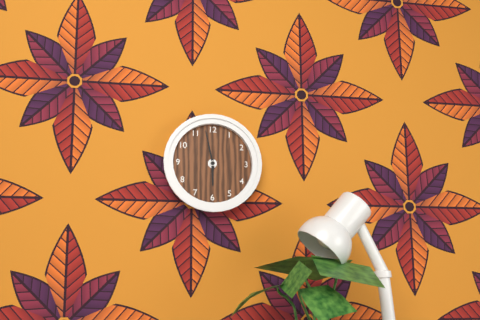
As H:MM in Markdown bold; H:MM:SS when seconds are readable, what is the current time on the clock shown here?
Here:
**5:58**
